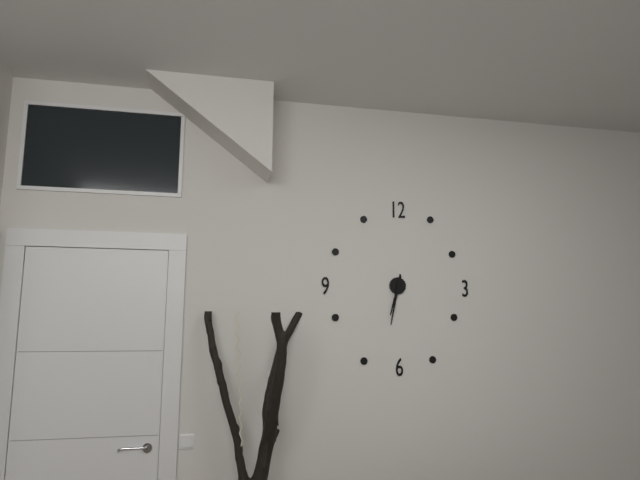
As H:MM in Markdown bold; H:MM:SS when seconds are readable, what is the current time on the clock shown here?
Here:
**6:32**
